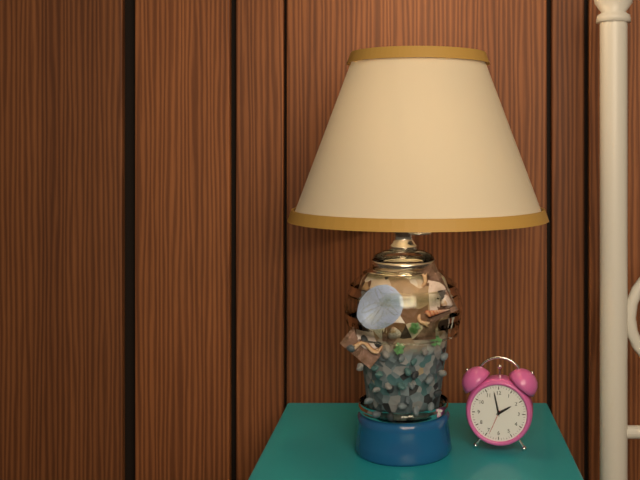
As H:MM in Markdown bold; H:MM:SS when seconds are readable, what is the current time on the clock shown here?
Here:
**1:58**
